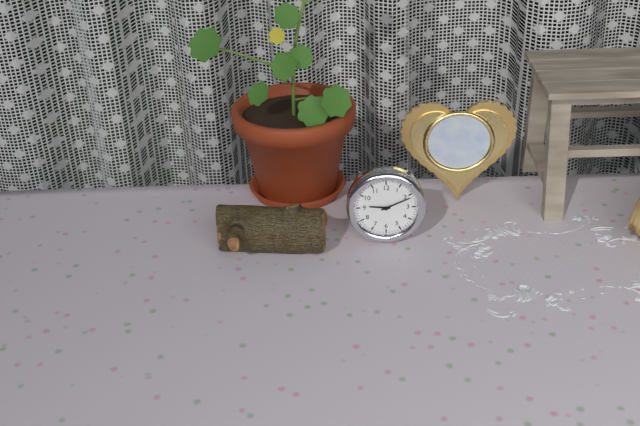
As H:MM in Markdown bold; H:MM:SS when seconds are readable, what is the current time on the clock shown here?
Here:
**9:11**
